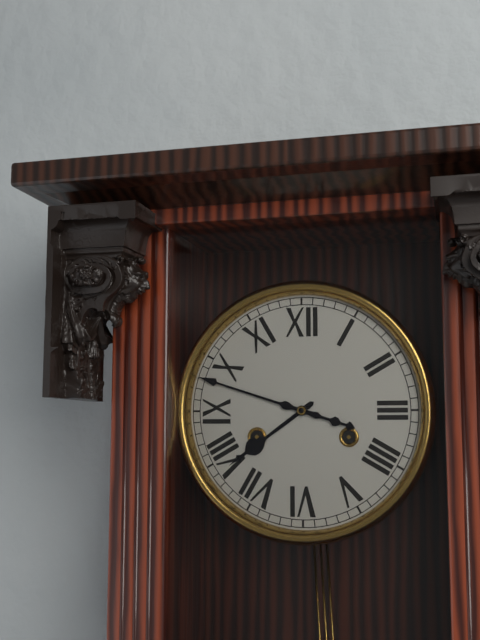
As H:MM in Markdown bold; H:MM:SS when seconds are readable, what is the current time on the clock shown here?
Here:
**7:48**
